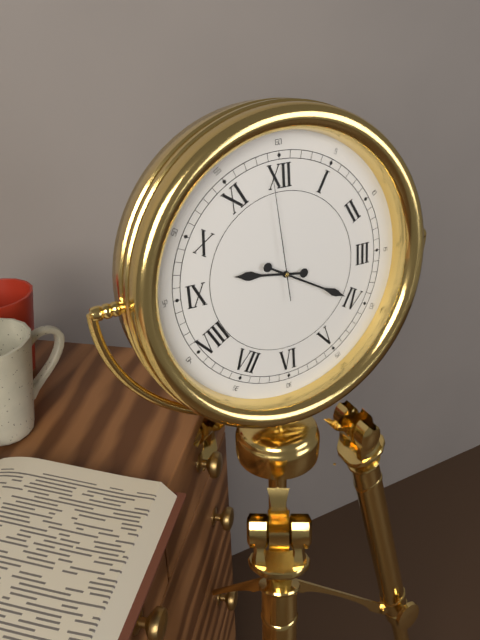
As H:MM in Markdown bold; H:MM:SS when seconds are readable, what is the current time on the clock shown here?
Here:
**9:20:59**
